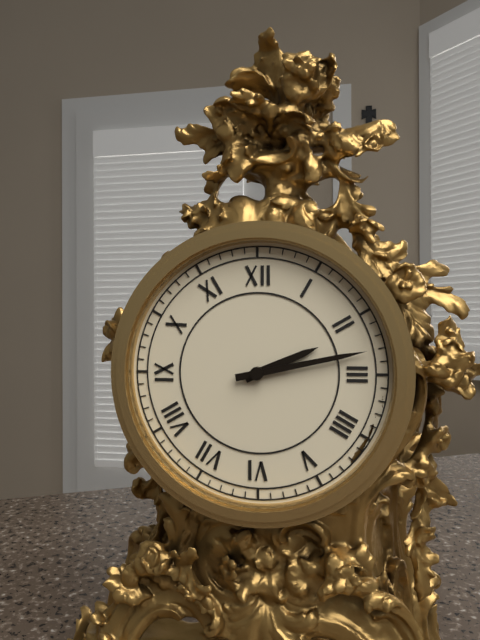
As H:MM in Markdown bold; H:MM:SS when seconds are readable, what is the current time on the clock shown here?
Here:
**2:13**
